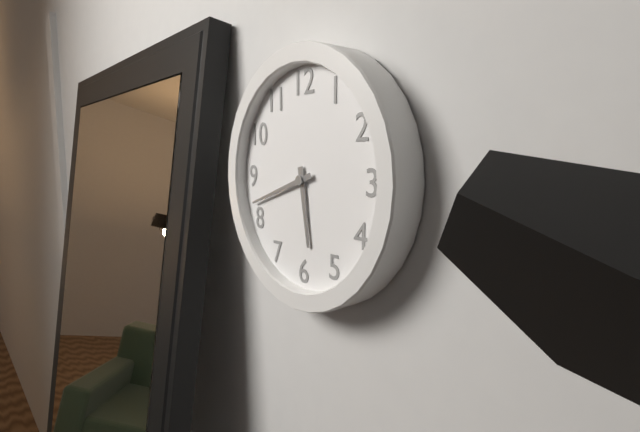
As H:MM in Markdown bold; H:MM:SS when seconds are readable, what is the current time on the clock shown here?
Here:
**5:42**
